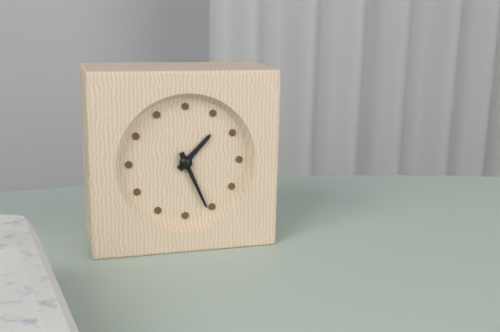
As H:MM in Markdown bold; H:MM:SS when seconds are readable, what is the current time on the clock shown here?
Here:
**1:26**
